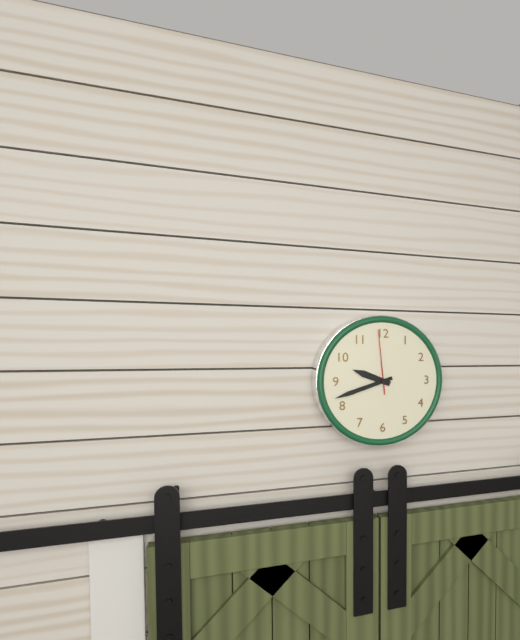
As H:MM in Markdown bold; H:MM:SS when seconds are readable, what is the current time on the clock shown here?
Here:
**9:42:59**
